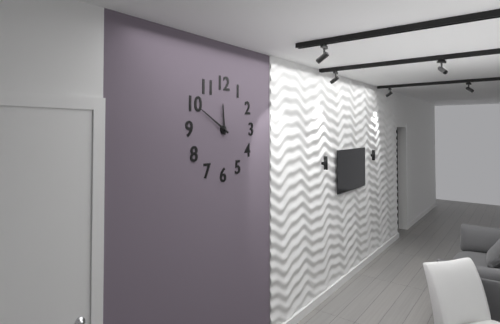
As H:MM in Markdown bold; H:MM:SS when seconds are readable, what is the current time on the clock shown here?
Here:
**11:50**
